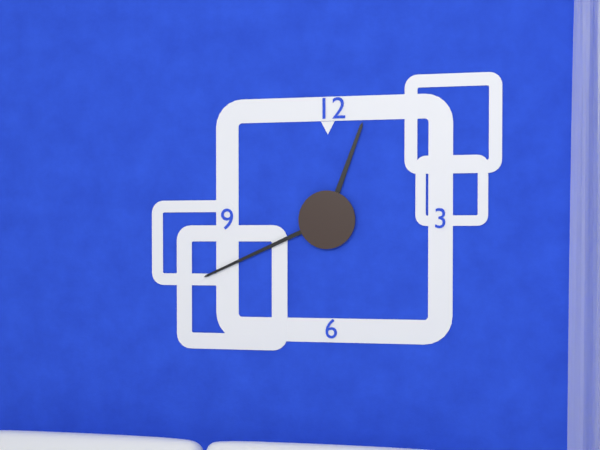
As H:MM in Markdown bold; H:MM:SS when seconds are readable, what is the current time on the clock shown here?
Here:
**12:41**
